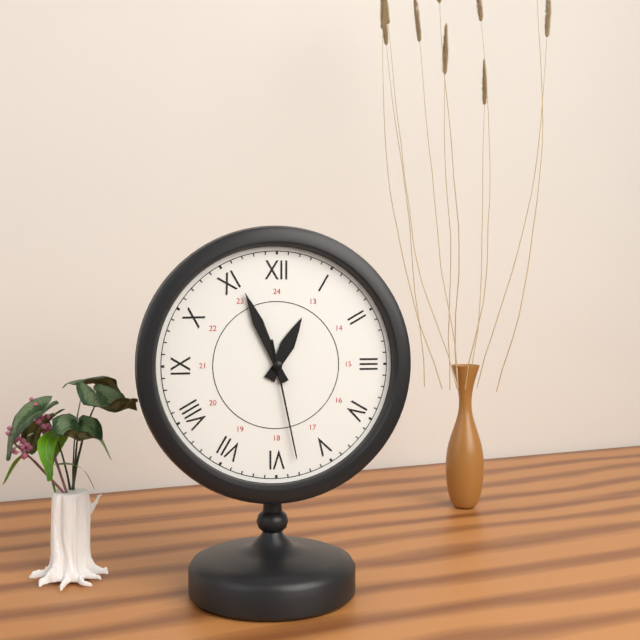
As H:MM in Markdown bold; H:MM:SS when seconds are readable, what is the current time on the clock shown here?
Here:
**12:56:28**
